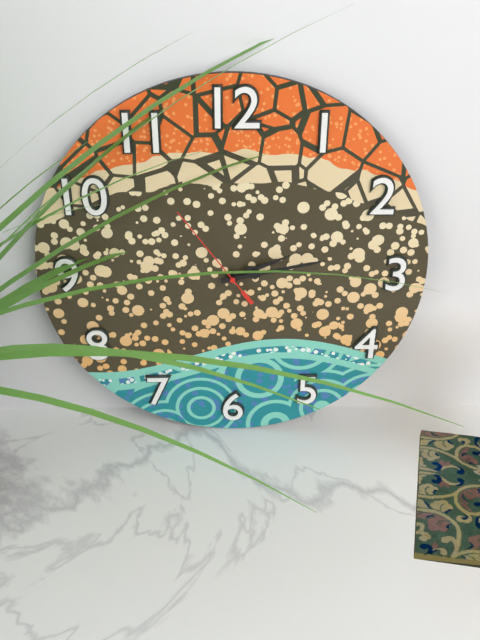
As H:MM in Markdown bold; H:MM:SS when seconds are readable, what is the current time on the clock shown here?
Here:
**2:13:54**
